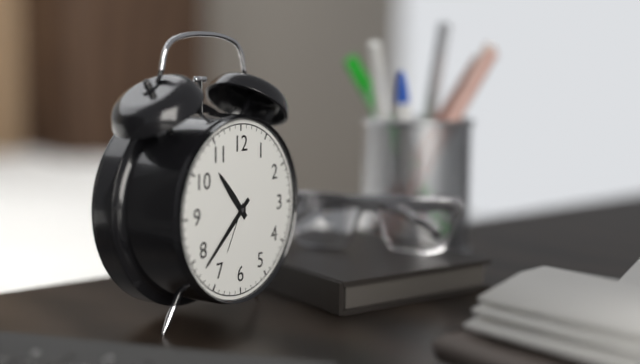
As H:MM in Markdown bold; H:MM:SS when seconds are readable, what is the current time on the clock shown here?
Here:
**10:38**
